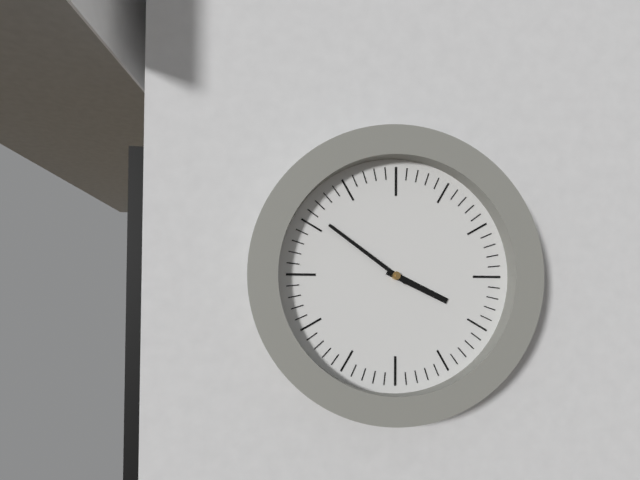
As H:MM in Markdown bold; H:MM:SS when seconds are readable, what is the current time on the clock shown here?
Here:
**3:51**
